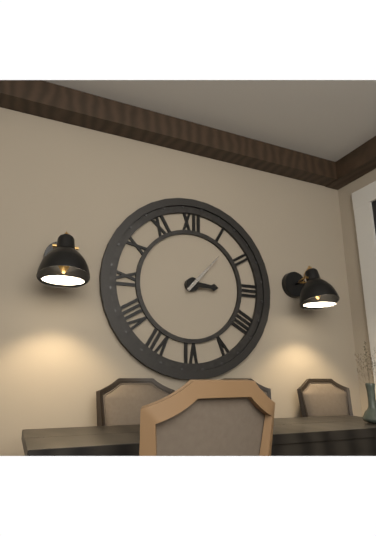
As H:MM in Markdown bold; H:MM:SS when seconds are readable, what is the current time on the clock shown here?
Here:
**3:07**
